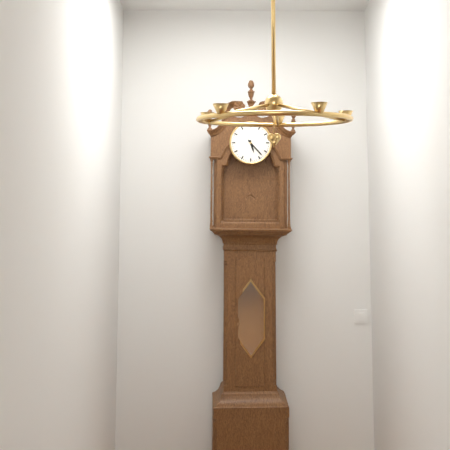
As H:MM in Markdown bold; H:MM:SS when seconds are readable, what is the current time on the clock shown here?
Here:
**5:23**
